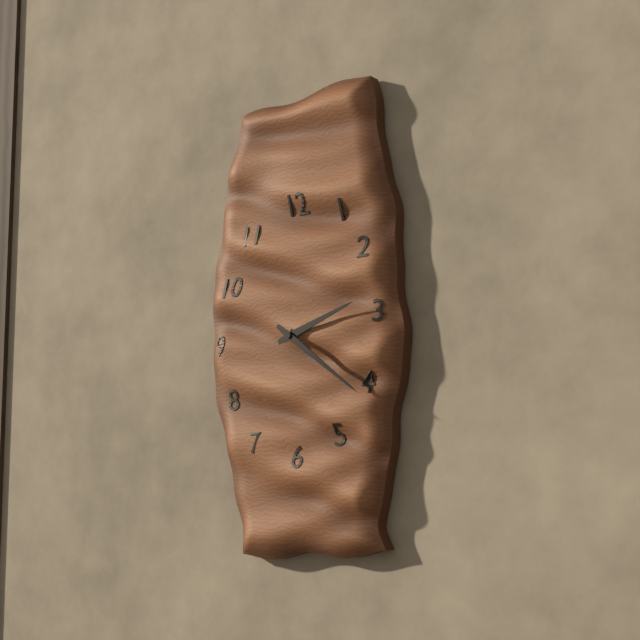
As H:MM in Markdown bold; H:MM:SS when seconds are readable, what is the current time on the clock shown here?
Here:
**2:21**
